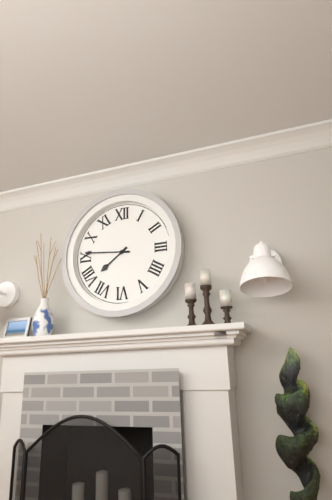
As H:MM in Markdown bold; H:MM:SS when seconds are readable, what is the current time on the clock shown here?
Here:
**7:46**
